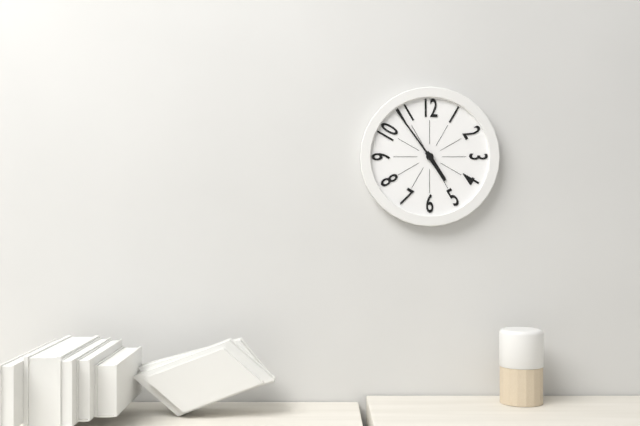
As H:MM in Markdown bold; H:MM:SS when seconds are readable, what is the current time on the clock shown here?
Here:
**4:54**
